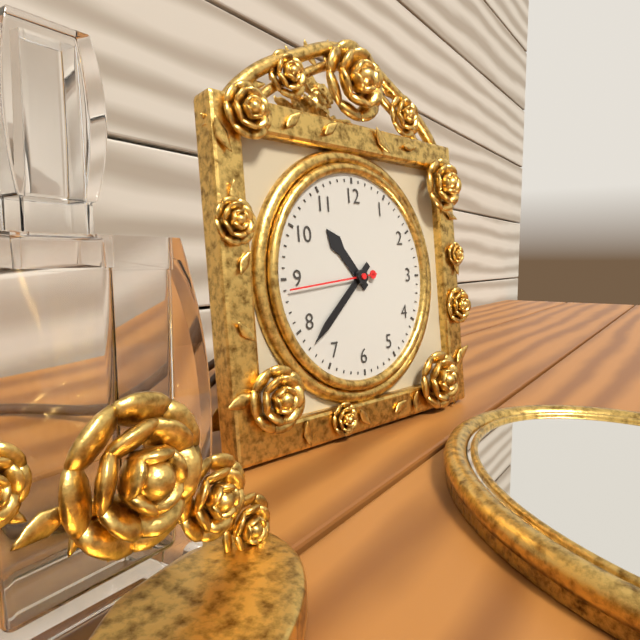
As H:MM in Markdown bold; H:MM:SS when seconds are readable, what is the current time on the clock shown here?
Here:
**10:38:44**
